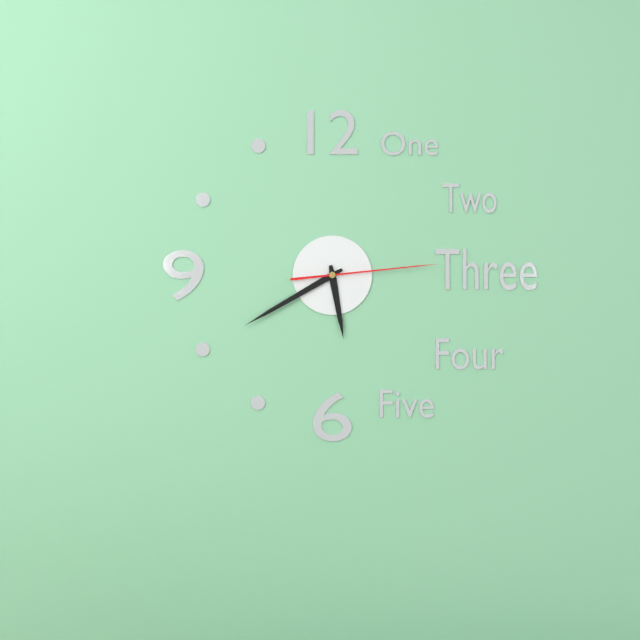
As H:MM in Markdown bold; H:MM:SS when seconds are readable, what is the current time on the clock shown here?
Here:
**5:40:14**
